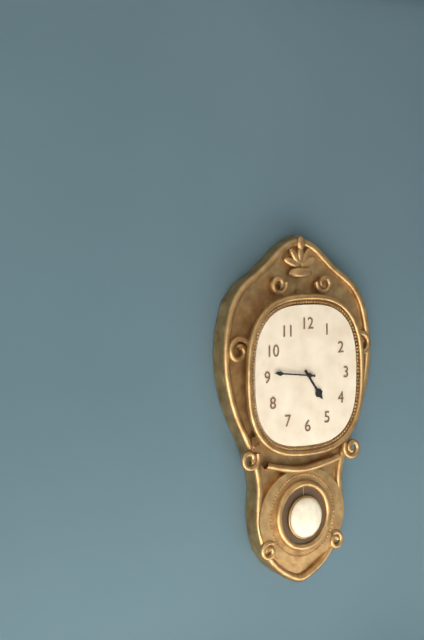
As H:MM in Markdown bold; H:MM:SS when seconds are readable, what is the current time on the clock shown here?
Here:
**4:46**
